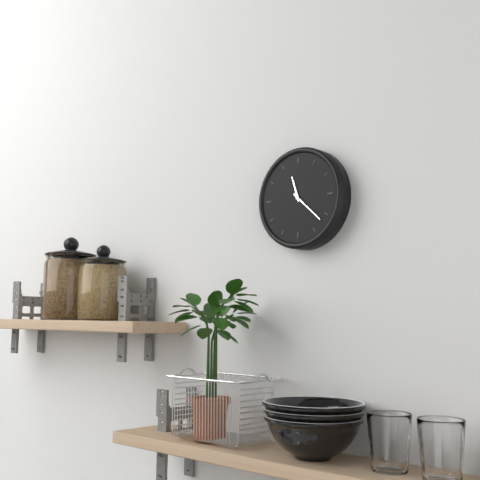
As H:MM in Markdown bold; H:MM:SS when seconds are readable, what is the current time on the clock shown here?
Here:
**11:22**
